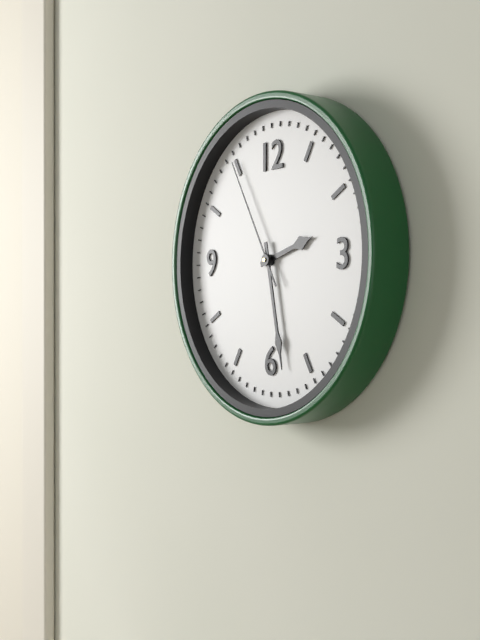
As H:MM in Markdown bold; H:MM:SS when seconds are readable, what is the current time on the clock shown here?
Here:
**2:28:55**
